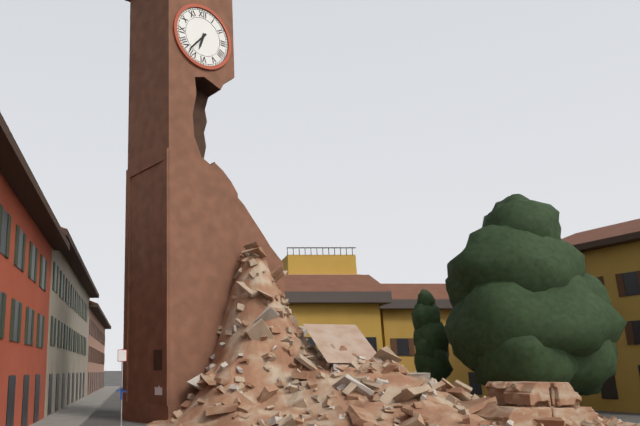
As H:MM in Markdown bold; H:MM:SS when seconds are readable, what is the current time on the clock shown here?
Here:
**6:37**
